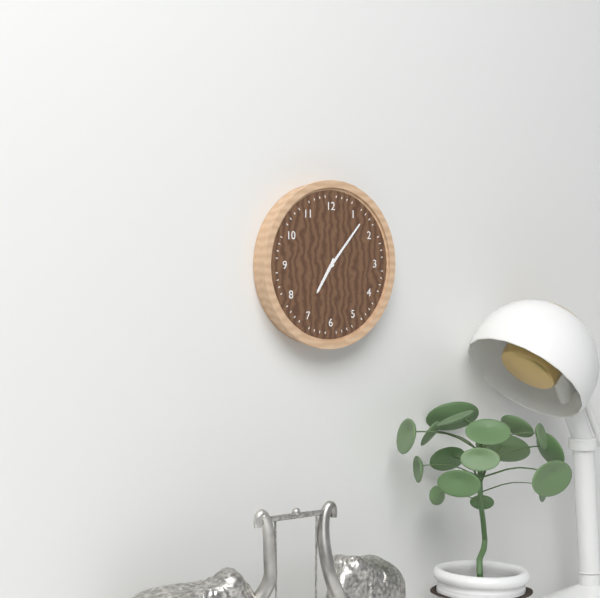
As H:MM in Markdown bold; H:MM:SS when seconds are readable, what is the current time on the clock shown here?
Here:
**7:07**
